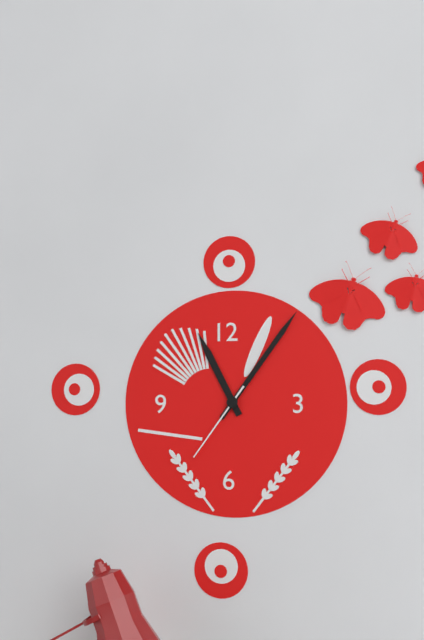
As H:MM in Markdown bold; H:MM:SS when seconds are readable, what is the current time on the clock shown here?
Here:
**11:06:36**
